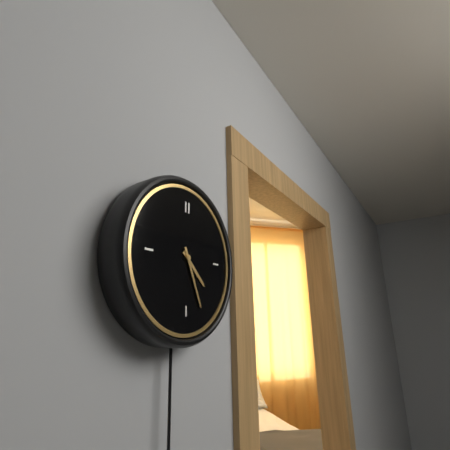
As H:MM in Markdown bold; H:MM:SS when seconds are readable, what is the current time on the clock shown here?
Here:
**4:26**
